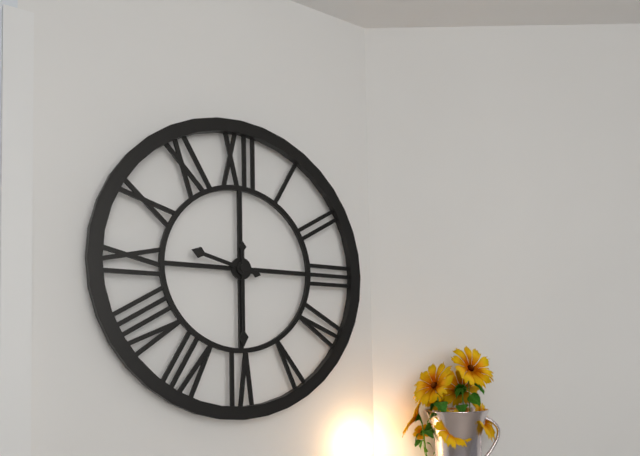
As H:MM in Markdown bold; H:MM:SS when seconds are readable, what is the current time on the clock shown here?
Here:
**9:30**
